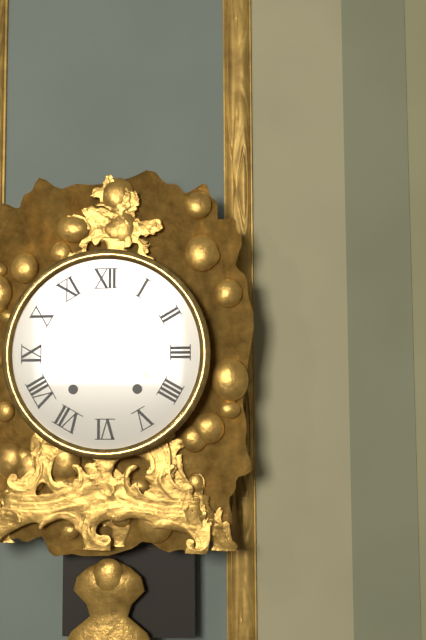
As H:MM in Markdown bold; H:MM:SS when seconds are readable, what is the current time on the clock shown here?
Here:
**3:57**
